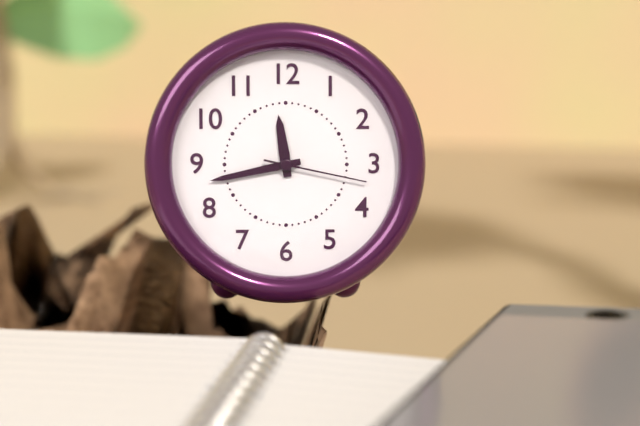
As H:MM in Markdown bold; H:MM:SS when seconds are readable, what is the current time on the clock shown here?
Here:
**11:43:17**
